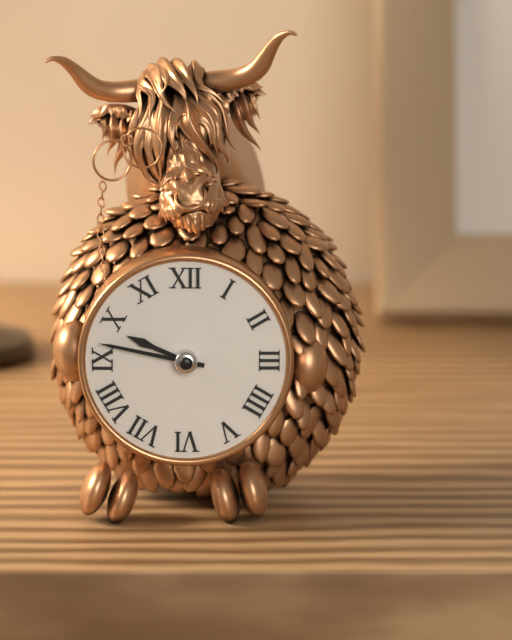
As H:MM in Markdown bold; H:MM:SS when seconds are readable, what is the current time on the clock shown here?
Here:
**9:47**
